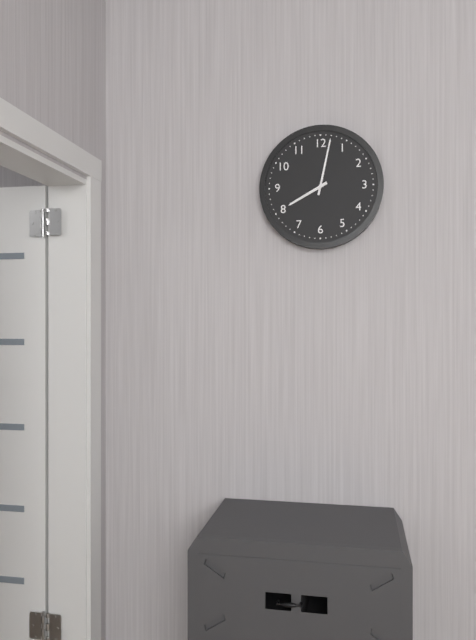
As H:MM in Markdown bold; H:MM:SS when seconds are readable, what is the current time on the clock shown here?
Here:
**8:02**
